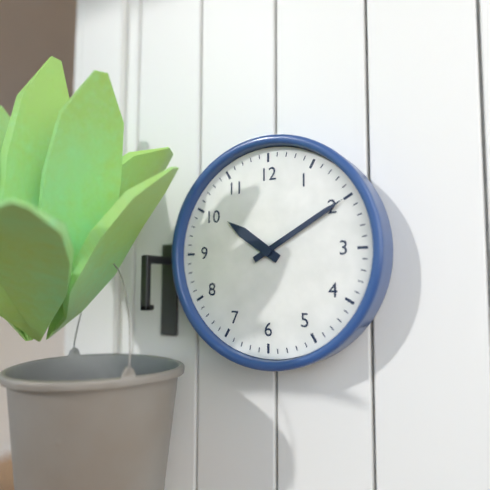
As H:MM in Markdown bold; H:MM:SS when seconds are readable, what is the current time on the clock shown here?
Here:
**10:10**
